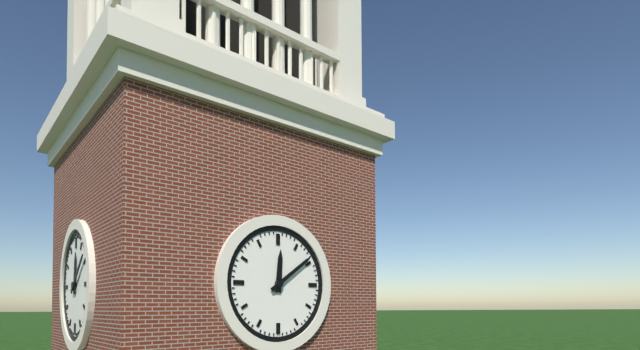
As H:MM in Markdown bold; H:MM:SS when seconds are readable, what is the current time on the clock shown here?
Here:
**12:09**
